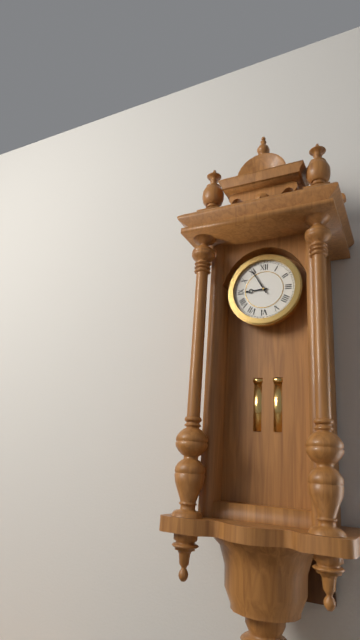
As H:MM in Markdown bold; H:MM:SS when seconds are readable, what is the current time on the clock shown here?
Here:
**8:55**
